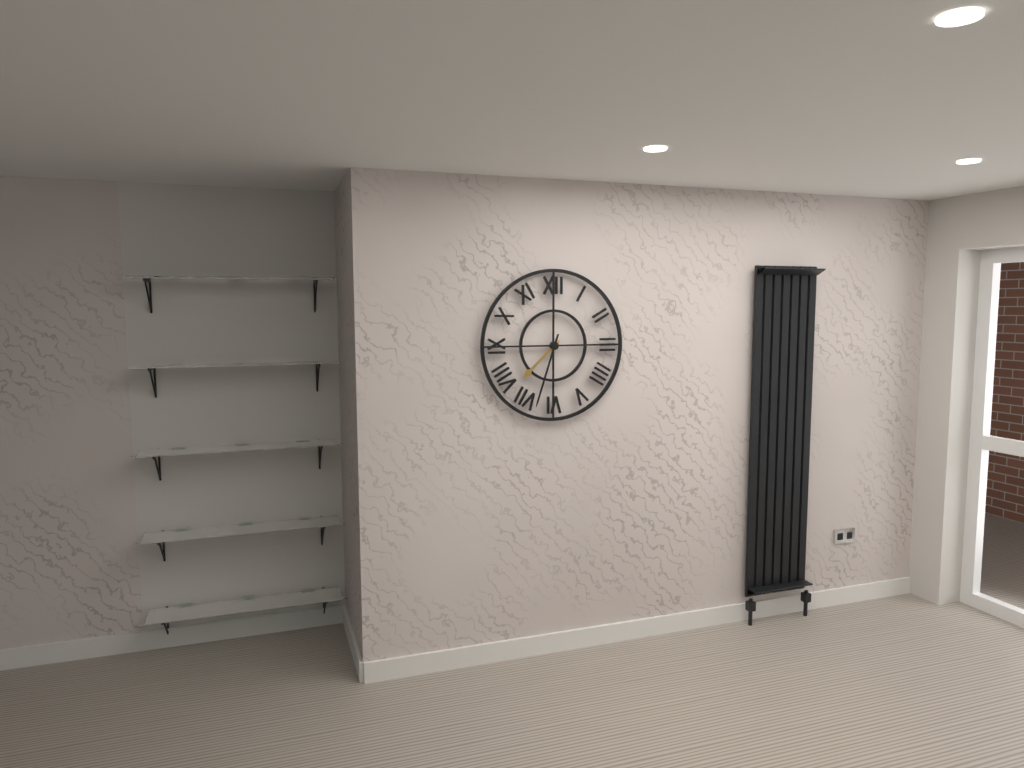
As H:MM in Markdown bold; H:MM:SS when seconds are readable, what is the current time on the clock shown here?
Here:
**7:33**
